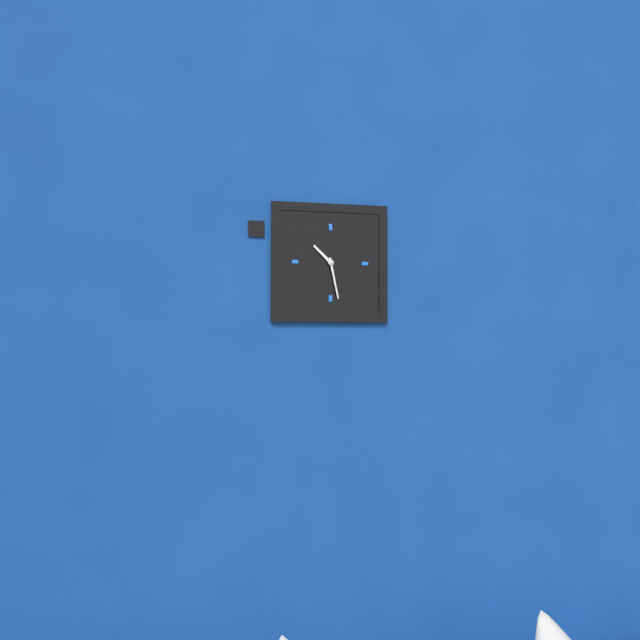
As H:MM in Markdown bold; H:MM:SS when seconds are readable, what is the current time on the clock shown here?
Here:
**10:28**
